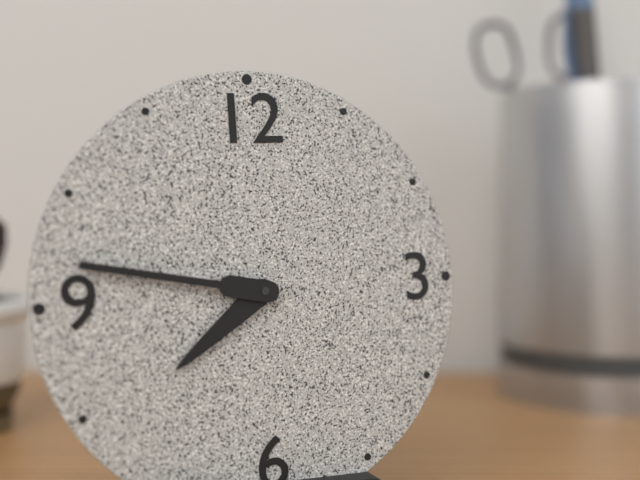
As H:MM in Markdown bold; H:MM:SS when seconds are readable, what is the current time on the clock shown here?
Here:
**7:47**
